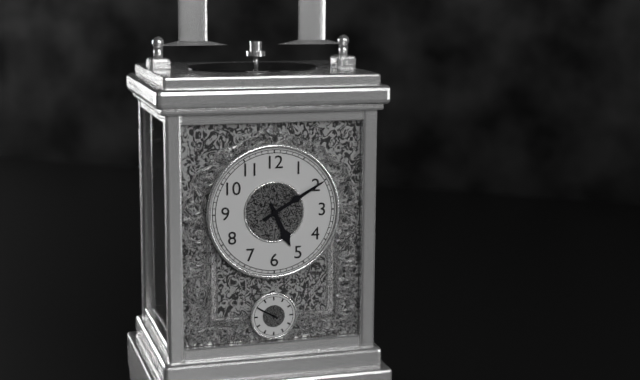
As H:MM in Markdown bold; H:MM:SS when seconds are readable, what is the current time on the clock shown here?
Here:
**5:10**
